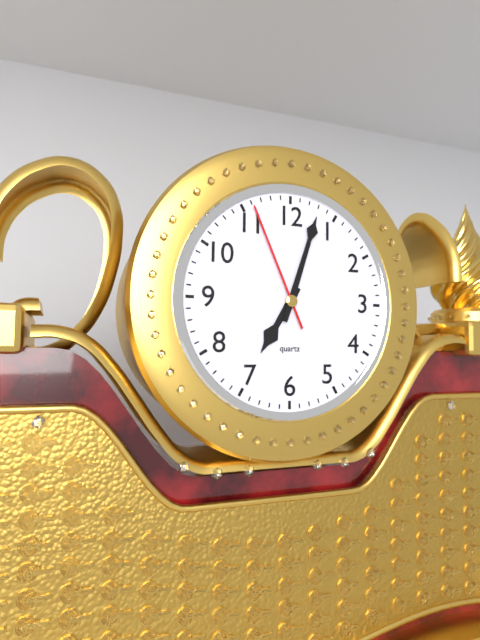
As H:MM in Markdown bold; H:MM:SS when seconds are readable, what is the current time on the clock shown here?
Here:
**7:03:56**
